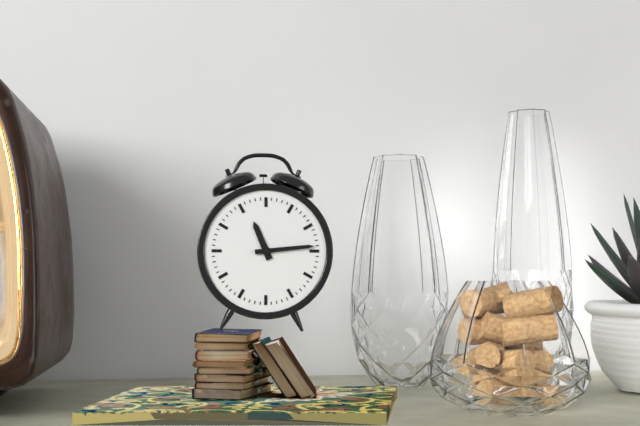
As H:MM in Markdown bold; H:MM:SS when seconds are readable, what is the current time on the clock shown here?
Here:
**11:14**
